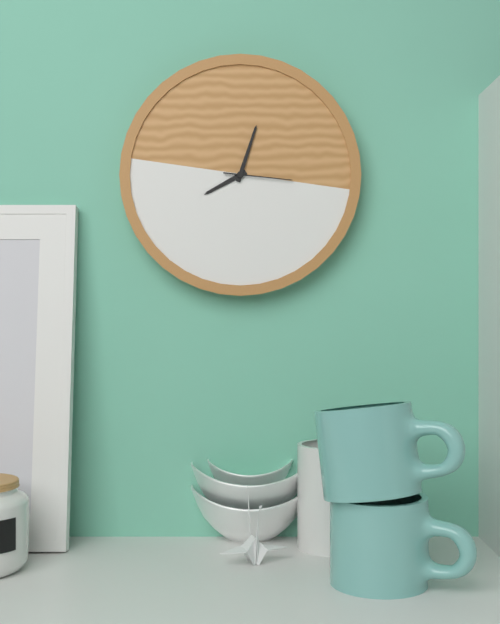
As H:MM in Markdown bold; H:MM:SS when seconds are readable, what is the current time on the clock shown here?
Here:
**8:03:16**
